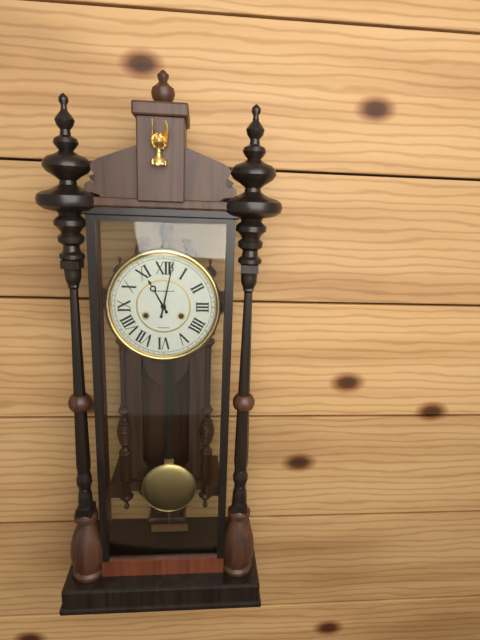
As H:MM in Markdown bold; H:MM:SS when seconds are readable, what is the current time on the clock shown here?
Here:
**11:02**
